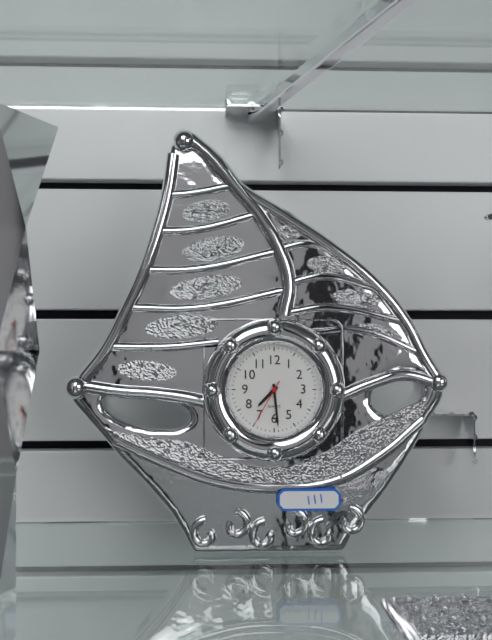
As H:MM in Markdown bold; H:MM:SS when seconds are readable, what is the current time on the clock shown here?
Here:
**7:29**
